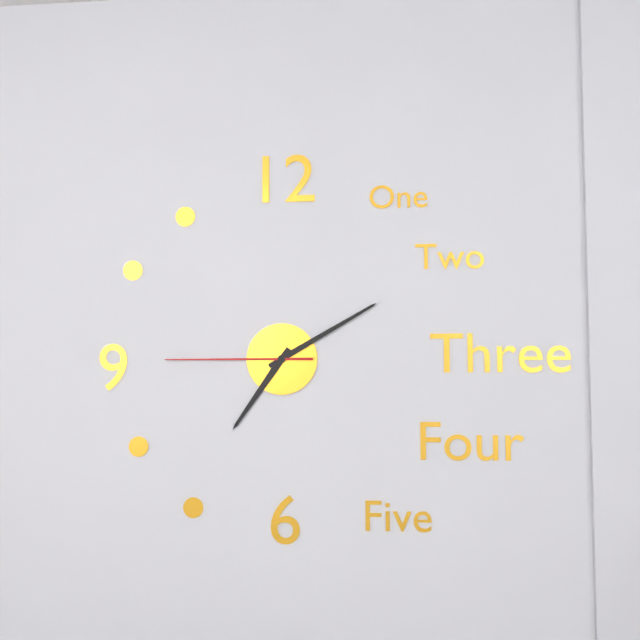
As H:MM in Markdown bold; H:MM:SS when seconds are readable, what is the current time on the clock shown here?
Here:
**7:10:45**
